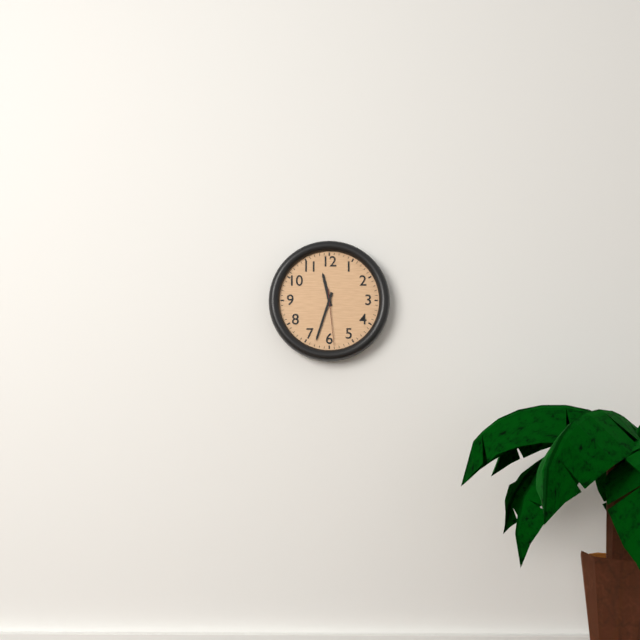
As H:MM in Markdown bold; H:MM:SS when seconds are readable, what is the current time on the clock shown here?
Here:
**11:33:29**
